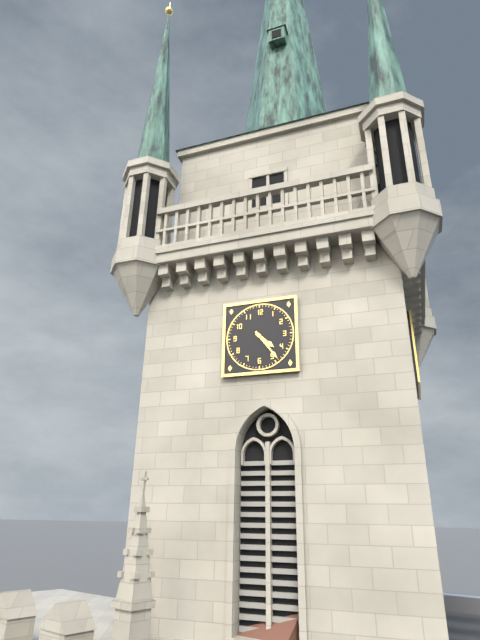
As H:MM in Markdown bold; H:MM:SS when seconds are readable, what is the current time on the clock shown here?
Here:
**4:24**
